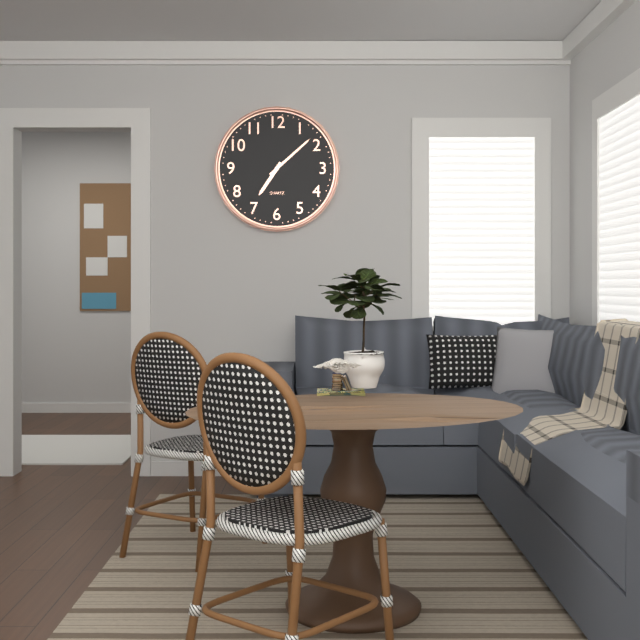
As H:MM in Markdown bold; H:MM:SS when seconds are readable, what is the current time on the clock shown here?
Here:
**7:08**
